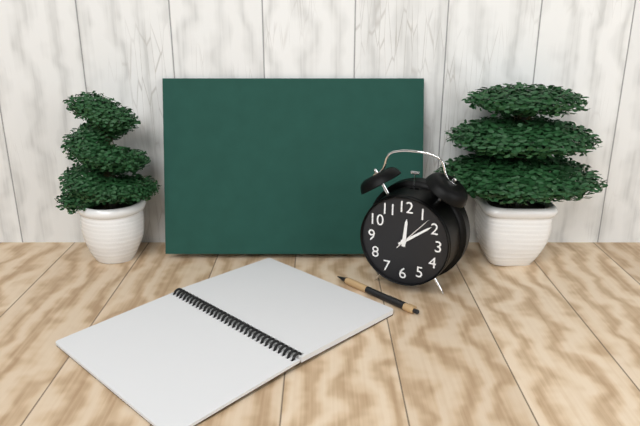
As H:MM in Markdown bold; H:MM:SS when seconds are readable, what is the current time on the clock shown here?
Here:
**12:09**
